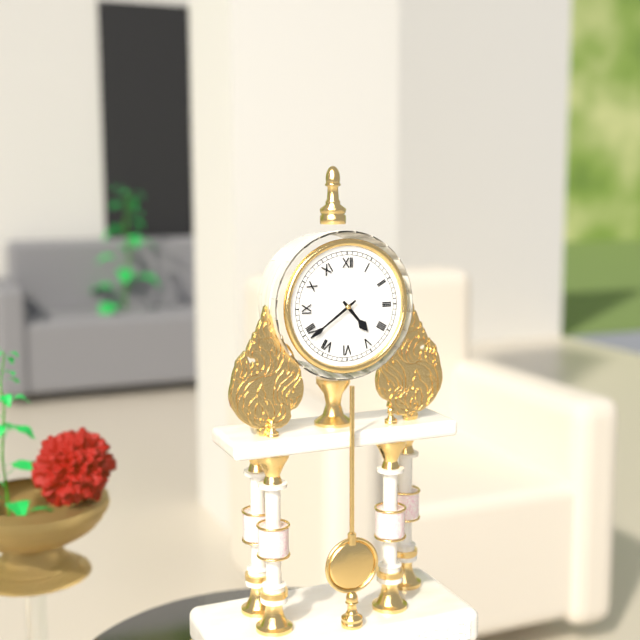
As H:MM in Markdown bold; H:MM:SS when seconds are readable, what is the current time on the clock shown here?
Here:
**4:39**
